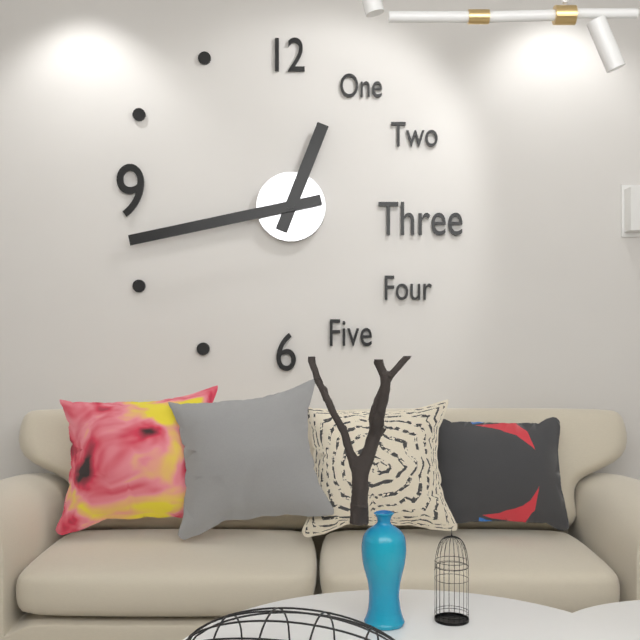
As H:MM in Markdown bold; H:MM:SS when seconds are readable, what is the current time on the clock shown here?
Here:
**12:43**
